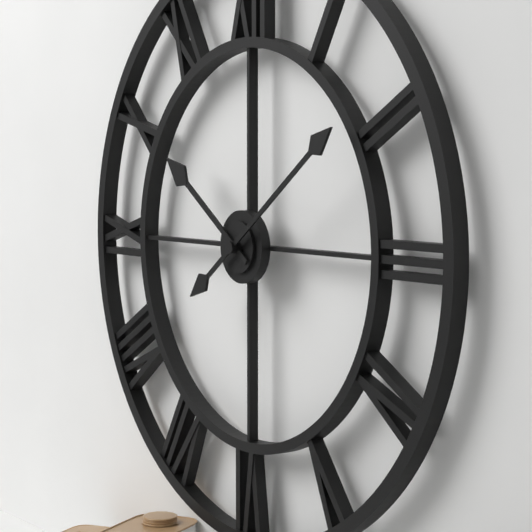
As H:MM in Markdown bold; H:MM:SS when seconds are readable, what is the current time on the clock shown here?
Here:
**10:09**
